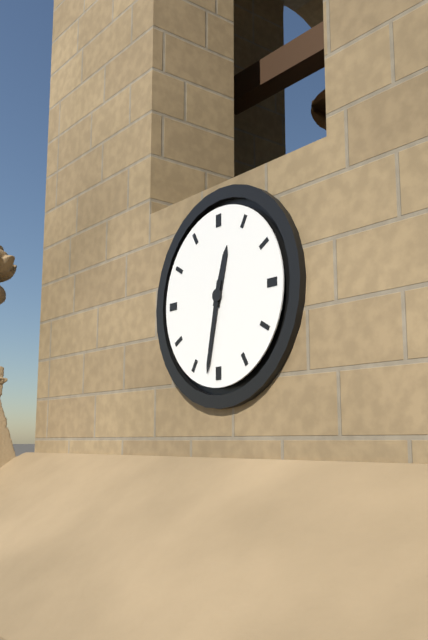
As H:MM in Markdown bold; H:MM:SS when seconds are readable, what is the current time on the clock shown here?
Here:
**12:32**
